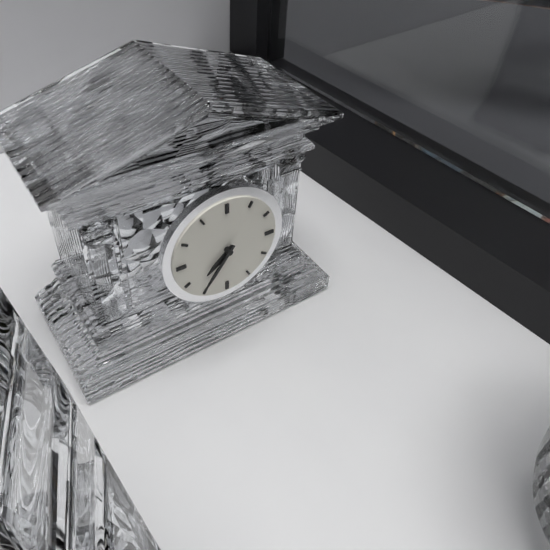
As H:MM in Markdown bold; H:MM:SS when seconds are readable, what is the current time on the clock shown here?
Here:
**7:36**
